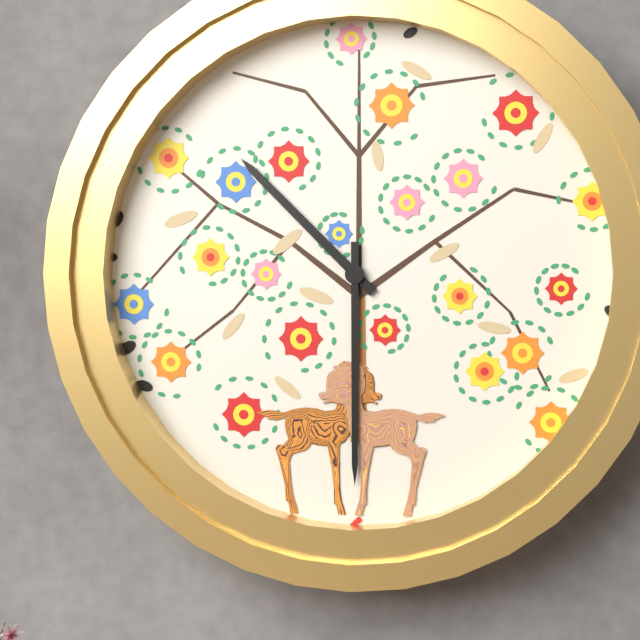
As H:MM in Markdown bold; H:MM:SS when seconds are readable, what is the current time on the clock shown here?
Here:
**10:30**
